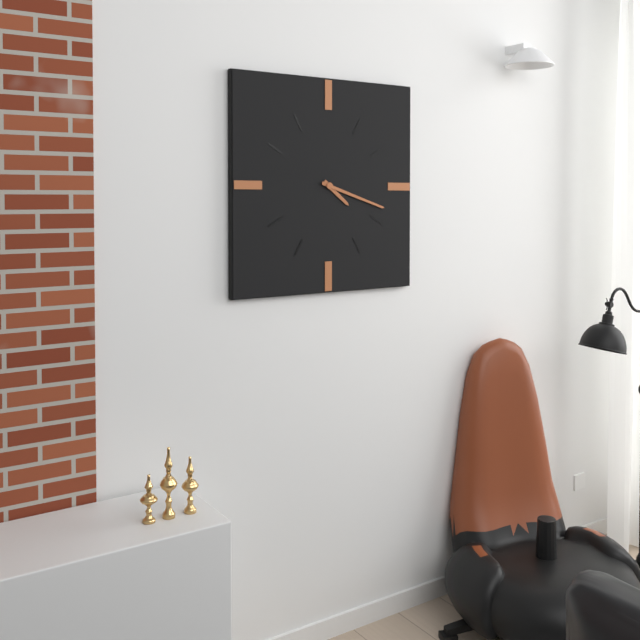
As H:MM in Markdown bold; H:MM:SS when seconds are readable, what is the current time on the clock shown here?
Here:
**4:18**
